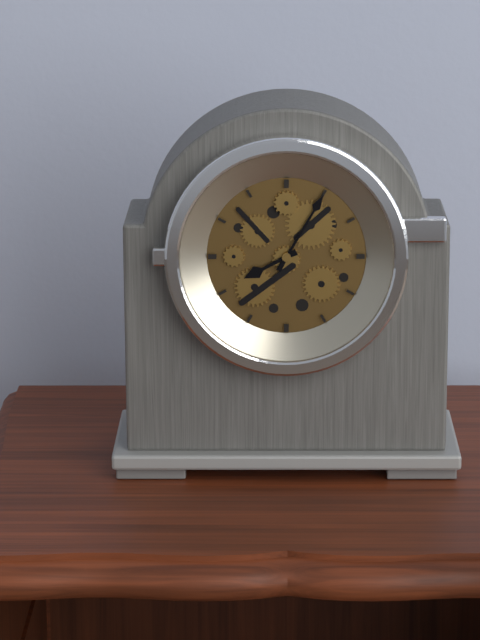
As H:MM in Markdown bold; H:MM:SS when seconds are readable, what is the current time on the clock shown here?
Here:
**8:05**
